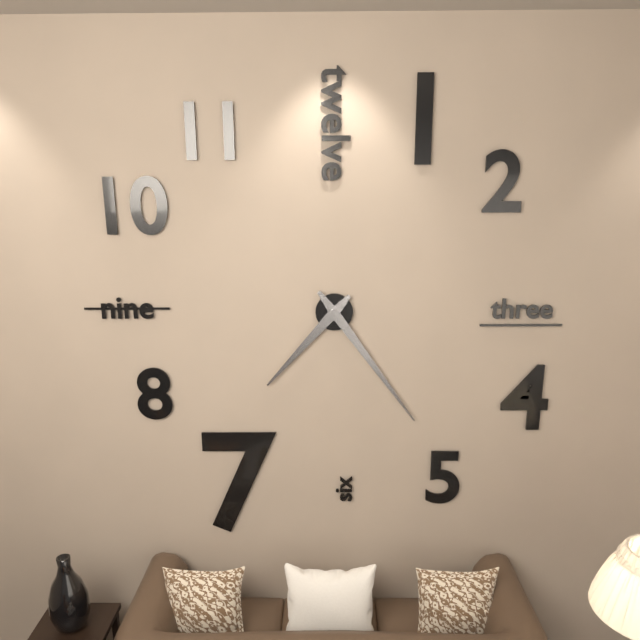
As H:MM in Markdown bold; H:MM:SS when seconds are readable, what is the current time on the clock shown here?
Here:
**7:24**
